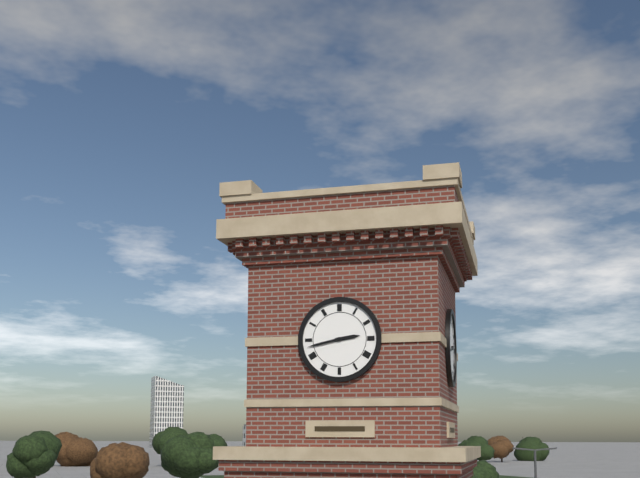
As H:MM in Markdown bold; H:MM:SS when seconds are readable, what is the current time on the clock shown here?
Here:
**2:43**
